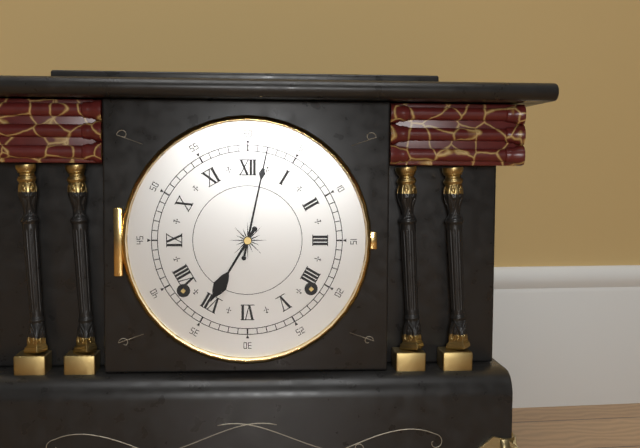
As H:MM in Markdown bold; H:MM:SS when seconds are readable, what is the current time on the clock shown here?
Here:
**7:02**
